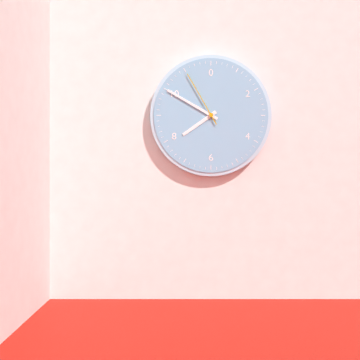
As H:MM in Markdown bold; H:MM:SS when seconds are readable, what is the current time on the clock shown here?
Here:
**7:50:55**
